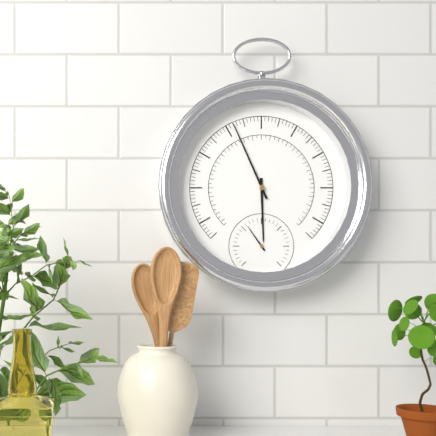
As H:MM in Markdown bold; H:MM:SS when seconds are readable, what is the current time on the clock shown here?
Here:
**5:56**
